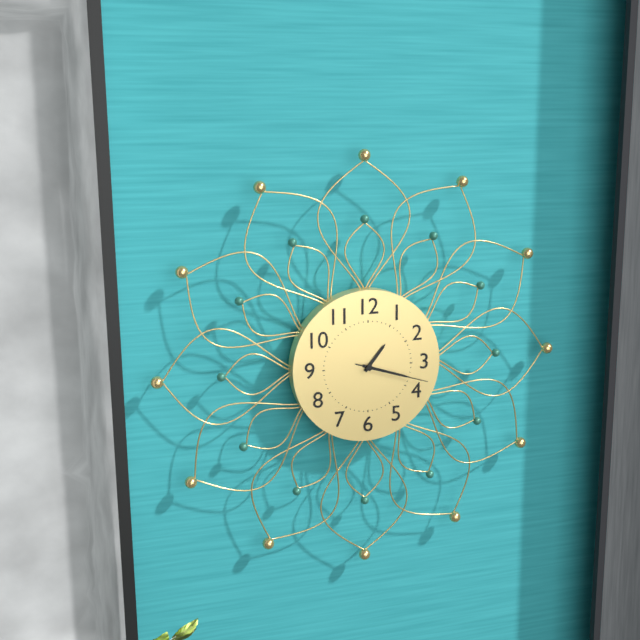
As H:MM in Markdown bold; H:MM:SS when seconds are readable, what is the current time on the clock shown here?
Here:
**1:18:18**
